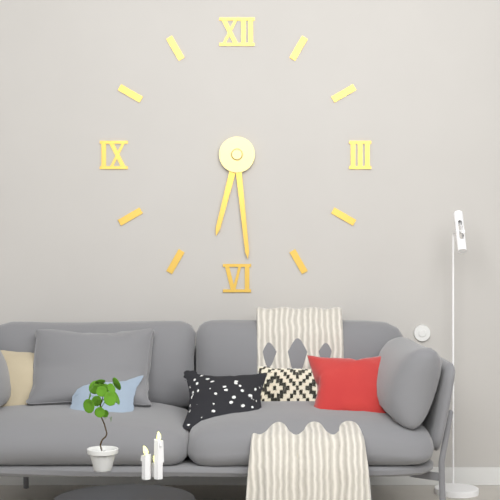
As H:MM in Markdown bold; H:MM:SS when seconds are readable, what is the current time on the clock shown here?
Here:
**6:29**
